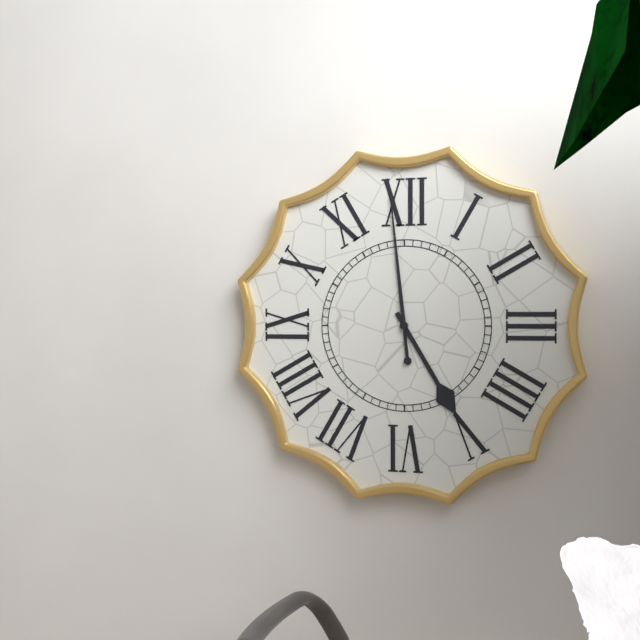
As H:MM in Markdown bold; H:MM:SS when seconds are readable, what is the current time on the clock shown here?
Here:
**4:59**
